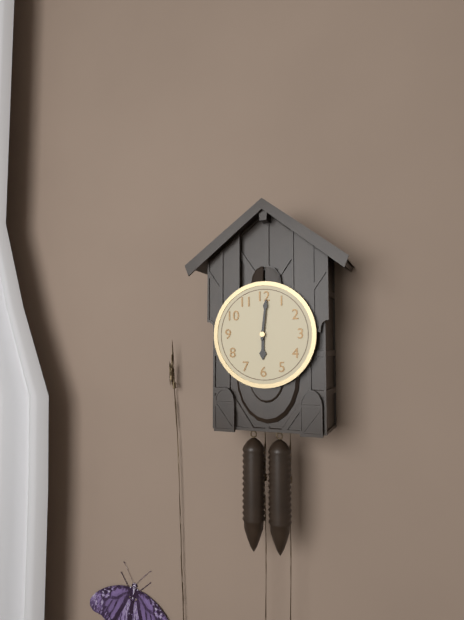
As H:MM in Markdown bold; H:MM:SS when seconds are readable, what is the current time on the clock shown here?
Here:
**6:01**
